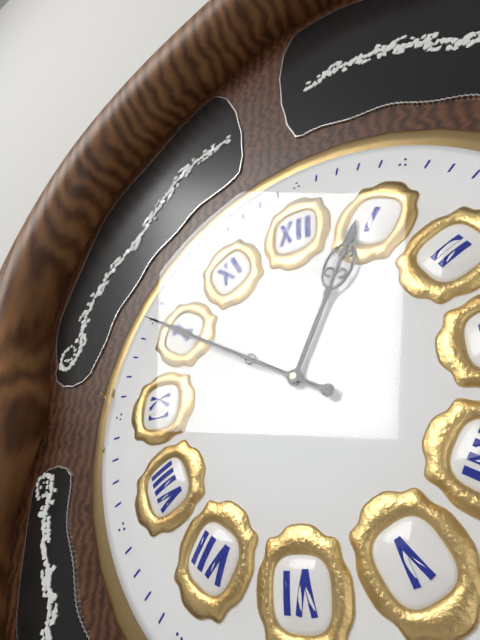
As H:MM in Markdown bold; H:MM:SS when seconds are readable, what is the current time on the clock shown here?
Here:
**12:50**
